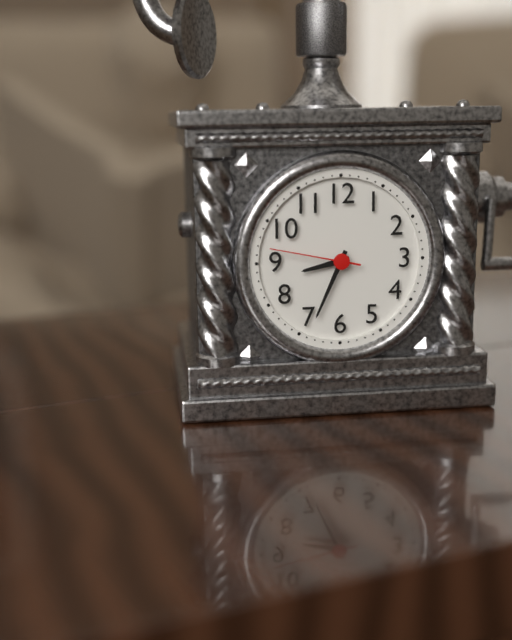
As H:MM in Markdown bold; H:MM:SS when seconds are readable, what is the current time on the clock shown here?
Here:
**8:34:47**
